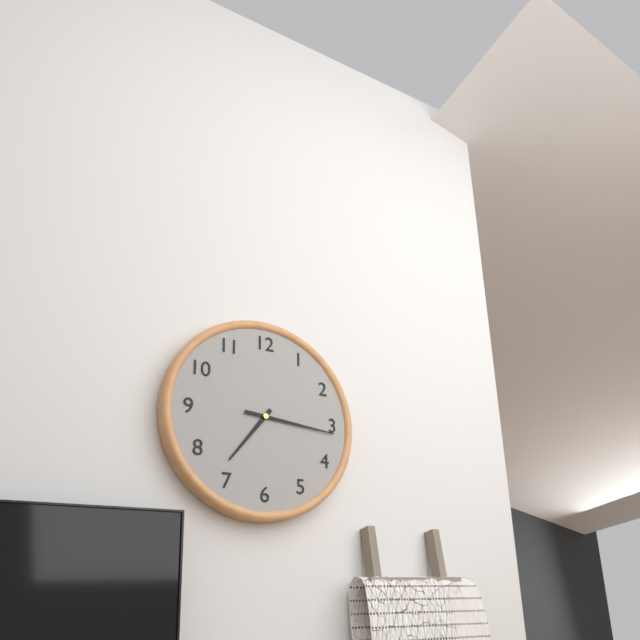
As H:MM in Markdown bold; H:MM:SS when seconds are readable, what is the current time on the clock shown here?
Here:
**7:16**
